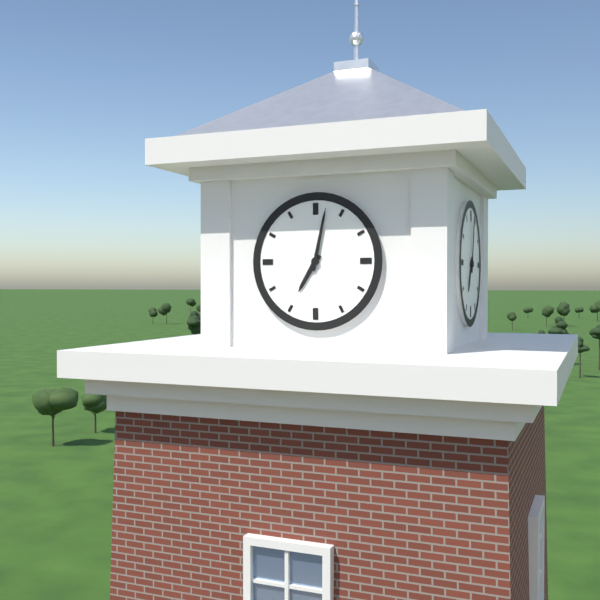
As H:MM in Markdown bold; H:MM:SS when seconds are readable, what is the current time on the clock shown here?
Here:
**7:02**
